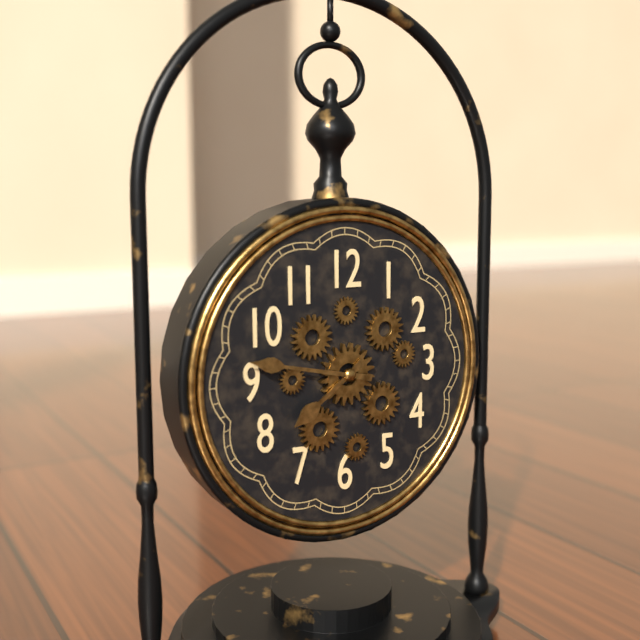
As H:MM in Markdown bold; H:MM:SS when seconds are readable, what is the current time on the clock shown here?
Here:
**7:47**
